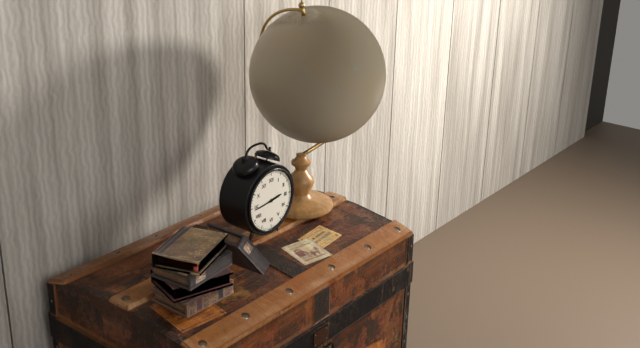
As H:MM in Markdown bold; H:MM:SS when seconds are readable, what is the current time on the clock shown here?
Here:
**2:44**
